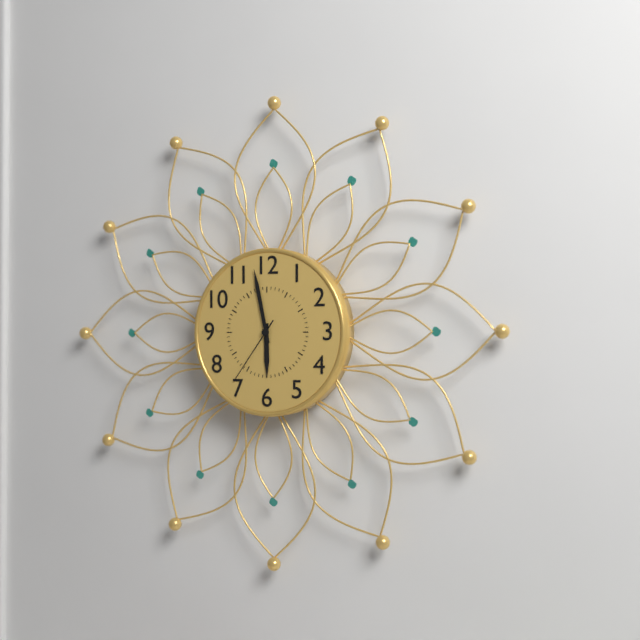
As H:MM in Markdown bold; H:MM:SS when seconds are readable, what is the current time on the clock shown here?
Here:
**5:58:36**
